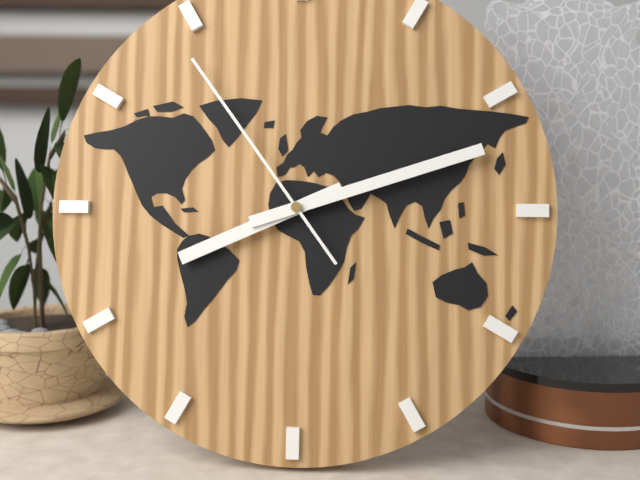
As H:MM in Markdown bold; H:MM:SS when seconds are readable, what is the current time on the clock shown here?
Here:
**8:12:54**
